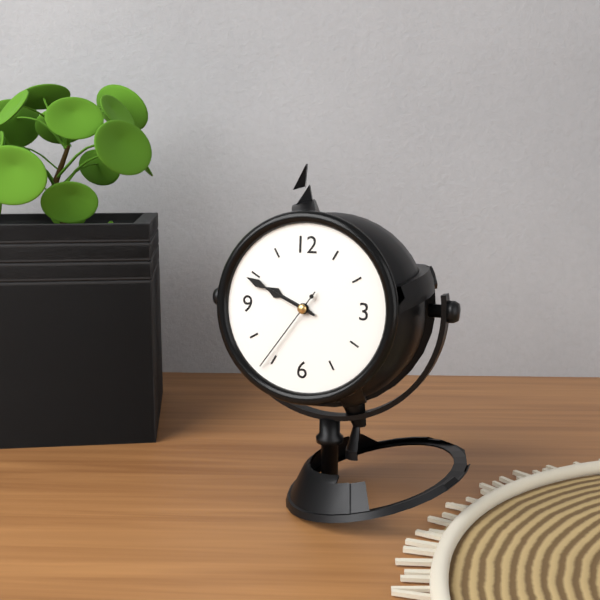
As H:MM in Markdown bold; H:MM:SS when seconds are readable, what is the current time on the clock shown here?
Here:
**9:49:36**
